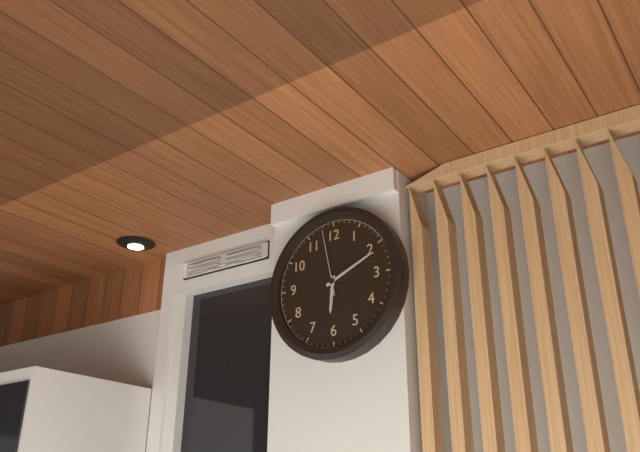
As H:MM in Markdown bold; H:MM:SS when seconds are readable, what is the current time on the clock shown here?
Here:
**6:11:58**
